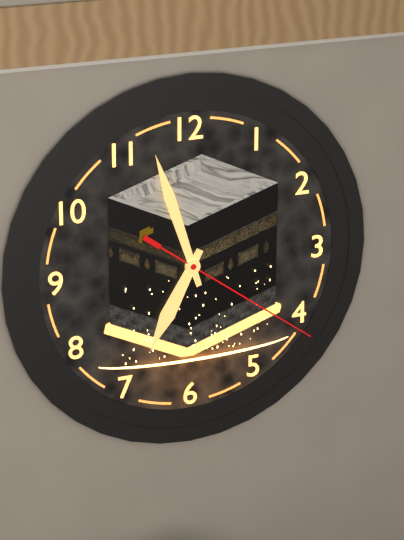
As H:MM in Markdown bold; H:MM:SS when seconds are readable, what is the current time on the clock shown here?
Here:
**6:57:21**
